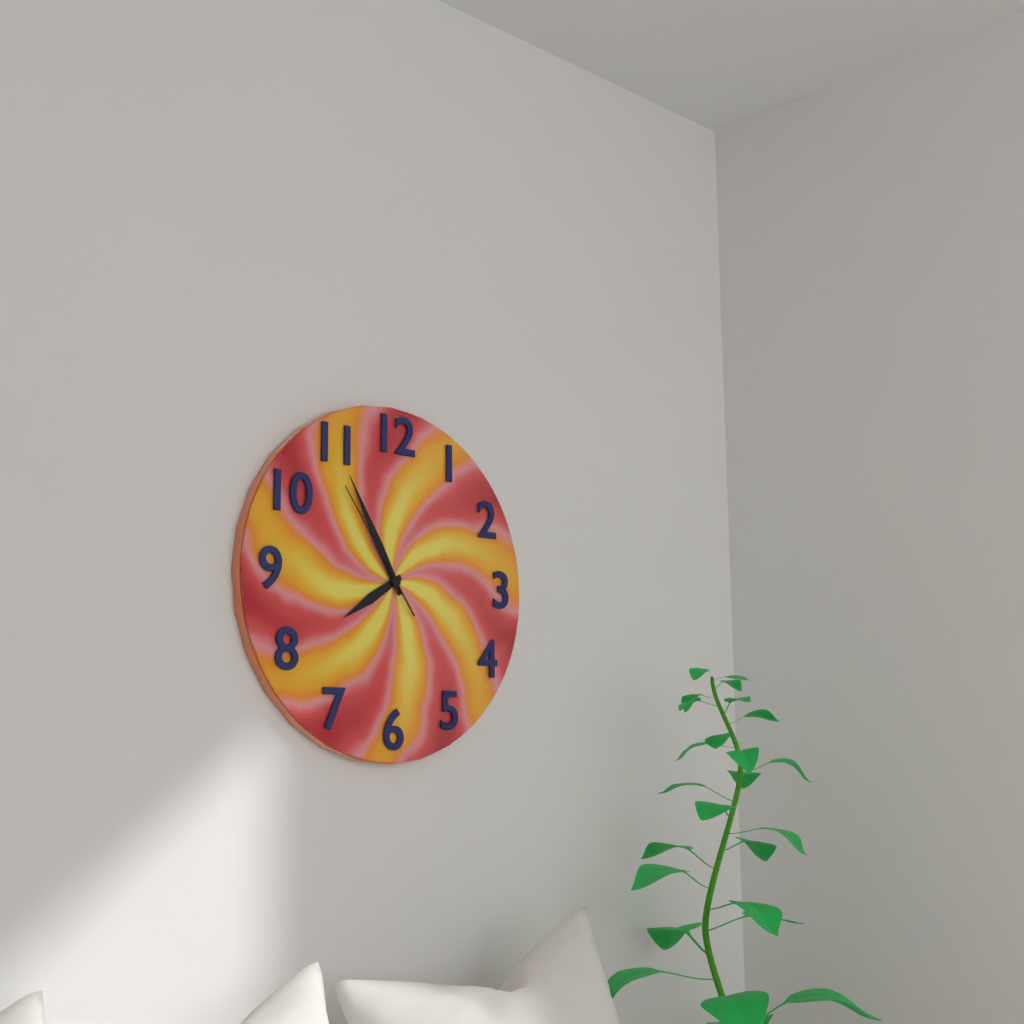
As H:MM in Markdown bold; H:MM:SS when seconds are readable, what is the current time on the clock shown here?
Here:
**7:55:54**
